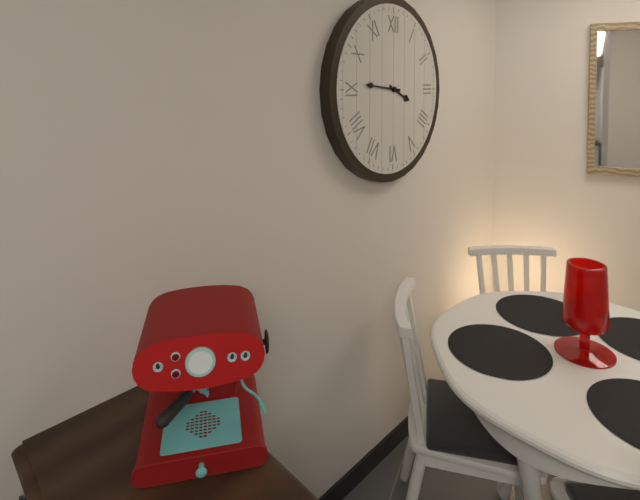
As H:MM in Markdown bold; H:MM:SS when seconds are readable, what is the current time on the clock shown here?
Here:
**3:46**
